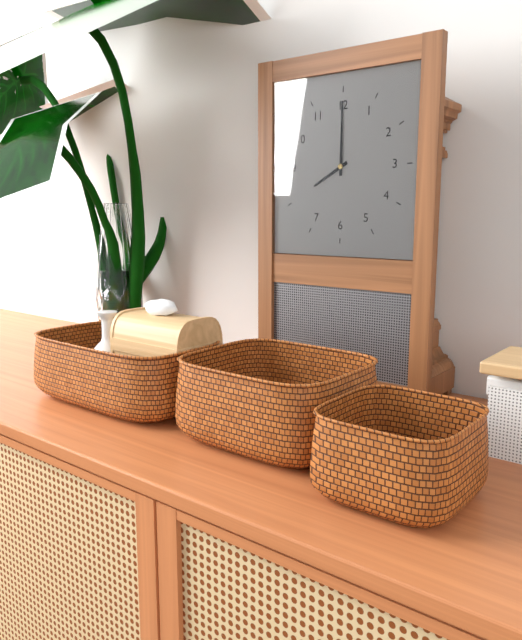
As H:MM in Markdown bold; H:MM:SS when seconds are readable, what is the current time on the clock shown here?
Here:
**8:00**
